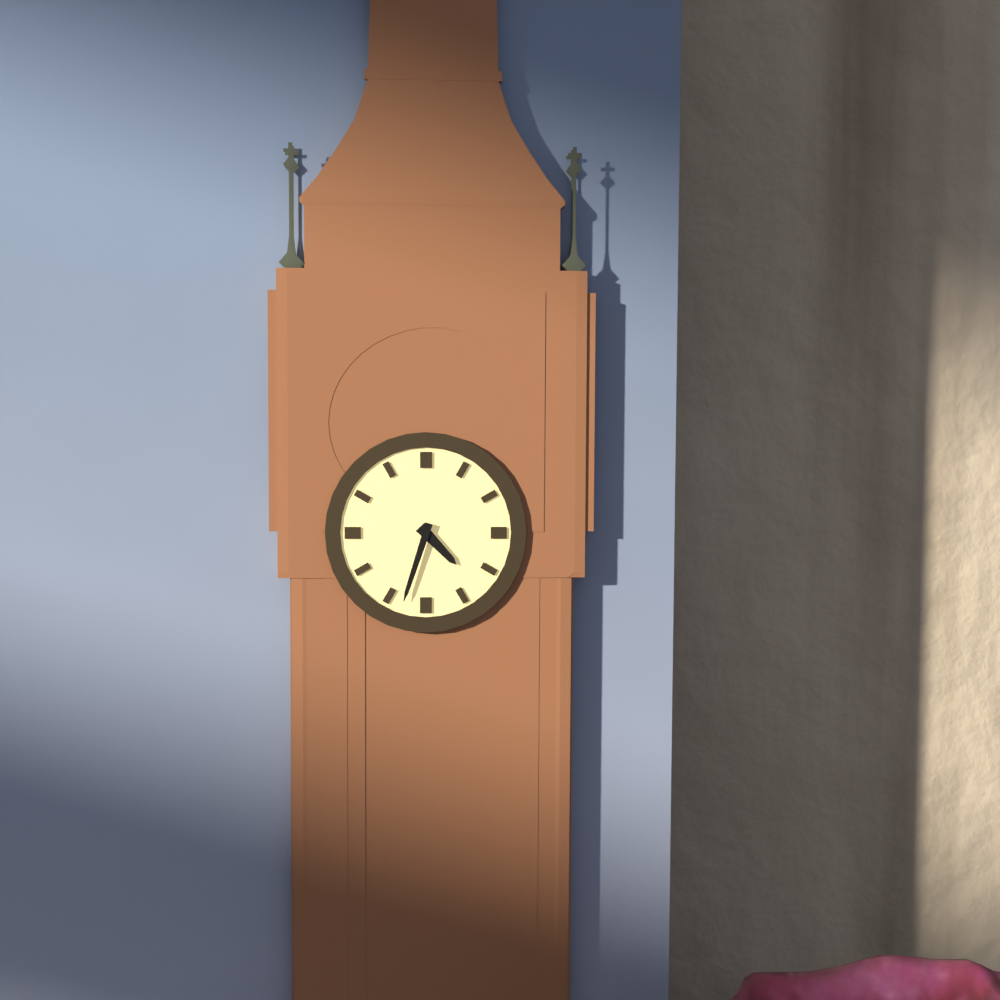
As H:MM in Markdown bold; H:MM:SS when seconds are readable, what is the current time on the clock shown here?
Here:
**4:33**
